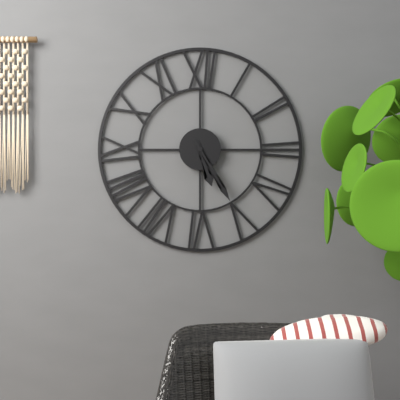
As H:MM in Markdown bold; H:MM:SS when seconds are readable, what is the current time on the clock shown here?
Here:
**5:25**
